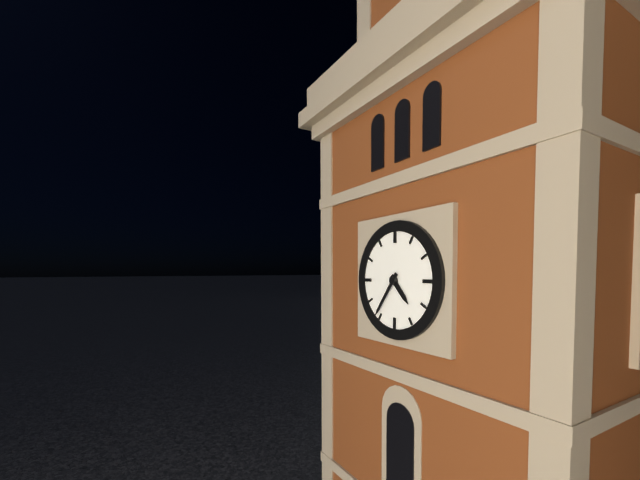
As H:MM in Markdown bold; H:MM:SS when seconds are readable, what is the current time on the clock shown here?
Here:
**4:36**
